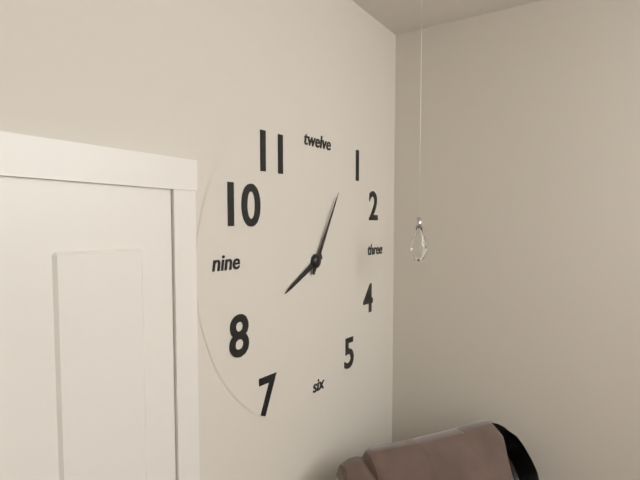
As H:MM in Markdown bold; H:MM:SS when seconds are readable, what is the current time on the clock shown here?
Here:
**8:05**
